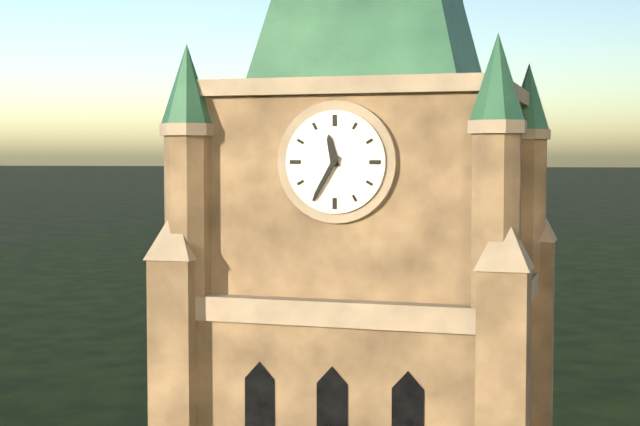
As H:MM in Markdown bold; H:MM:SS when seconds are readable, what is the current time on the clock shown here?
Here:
**11:35**
